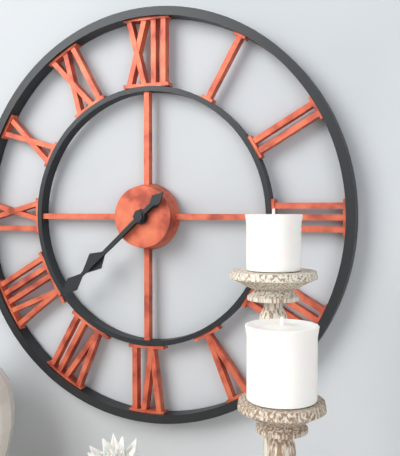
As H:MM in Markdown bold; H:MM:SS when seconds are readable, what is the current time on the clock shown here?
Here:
**7:38**
